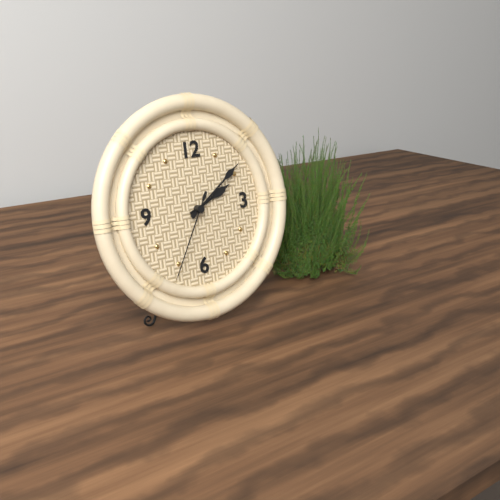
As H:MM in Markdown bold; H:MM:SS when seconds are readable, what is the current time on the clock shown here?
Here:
**2:09:35**
